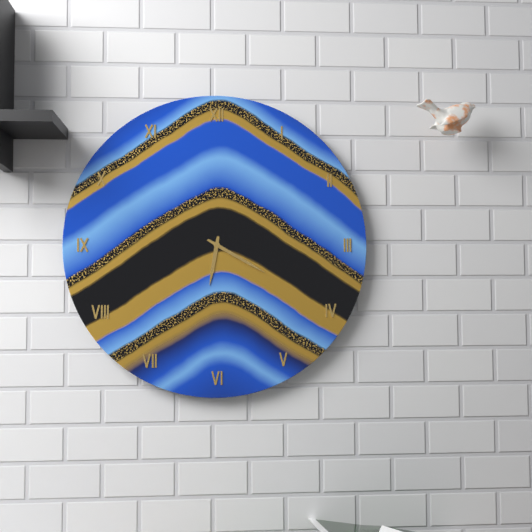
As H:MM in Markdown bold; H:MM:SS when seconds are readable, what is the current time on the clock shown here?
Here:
**6:20**
